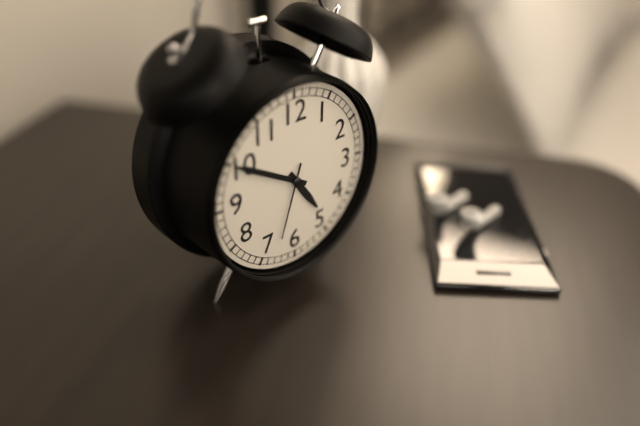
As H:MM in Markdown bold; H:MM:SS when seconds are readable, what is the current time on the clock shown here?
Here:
**4:50:33**
